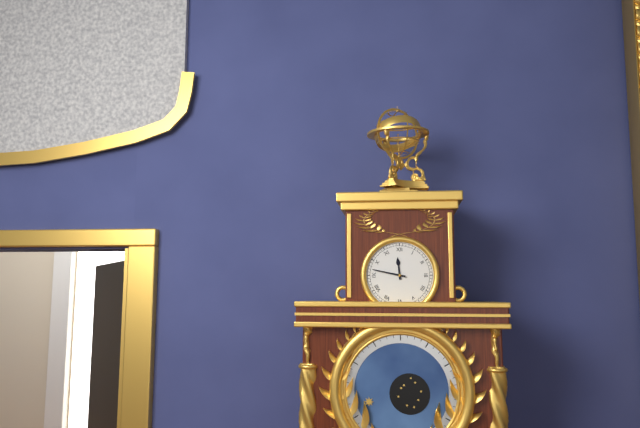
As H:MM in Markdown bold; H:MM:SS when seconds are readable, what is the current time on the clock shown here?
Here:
**11:47**
